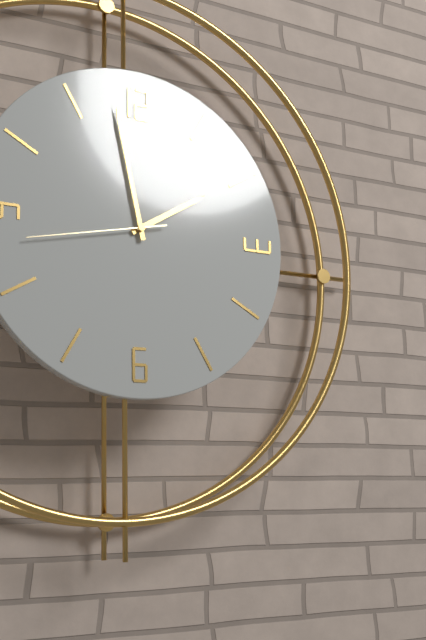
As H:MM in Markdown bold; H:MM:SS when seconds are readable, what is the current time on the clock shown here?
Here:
**1:58:43**
